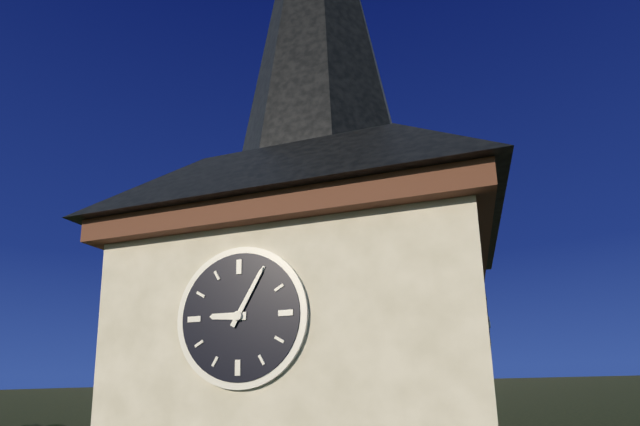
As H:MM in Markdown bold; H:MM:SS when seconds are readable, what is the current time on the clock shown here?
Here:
**9:05**
